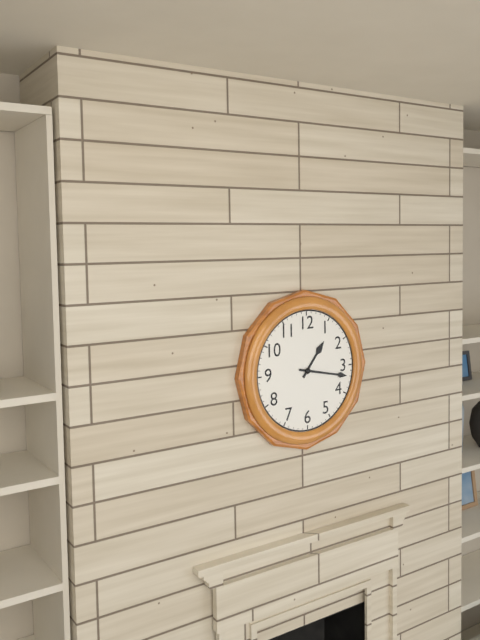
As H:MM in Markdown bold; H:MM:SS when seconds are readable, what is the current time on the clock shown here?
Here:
**1:17**
